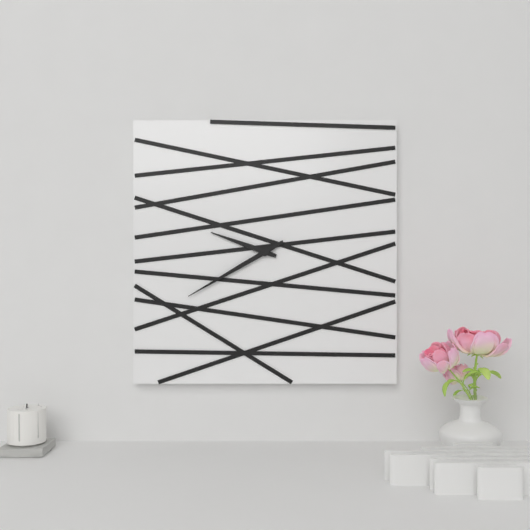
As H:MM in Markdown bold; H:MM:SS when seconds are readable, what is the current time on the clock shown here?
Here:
**9:40**
